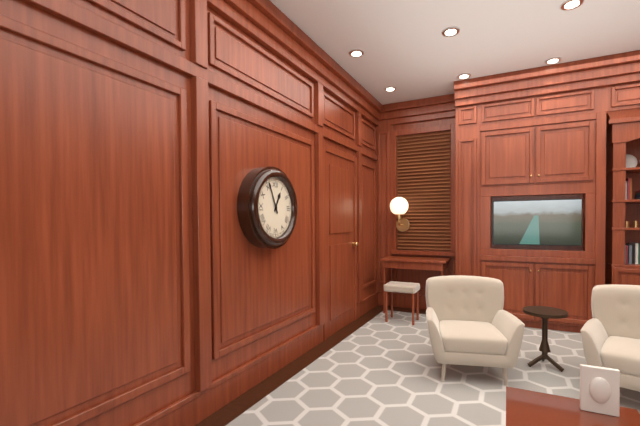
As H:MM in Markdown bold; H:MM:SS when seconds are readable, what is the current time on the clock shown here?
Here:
**12:56**
